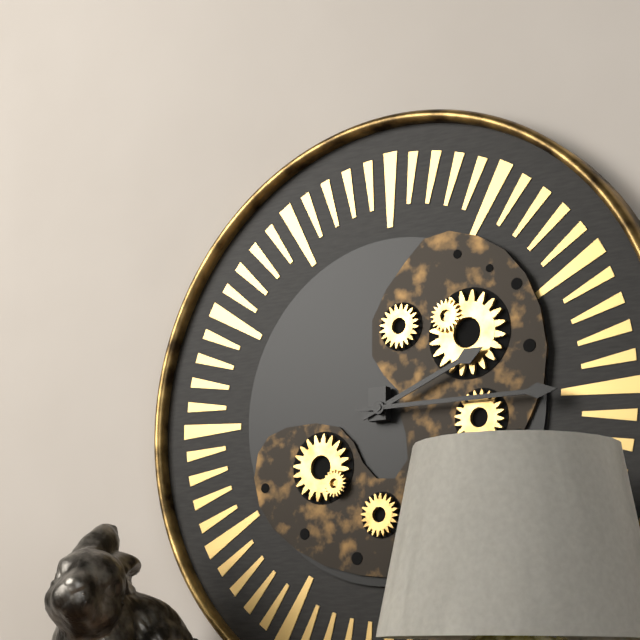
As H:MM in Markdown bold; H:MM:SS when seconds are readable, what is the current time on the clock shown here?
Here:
**2:15**
